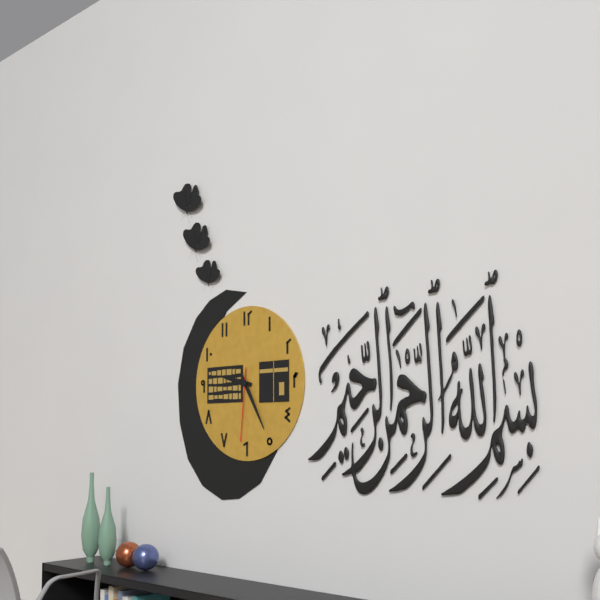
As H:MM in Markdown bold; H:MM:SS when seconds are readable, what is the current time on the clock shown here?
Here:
**9:25:31**
